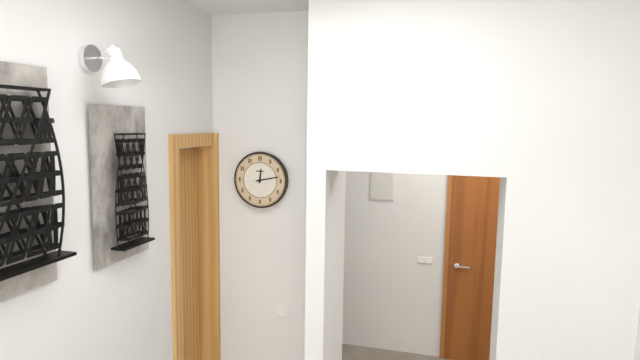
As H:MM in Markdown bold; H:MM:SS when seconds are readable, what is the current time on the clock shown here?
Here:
**12:13**
